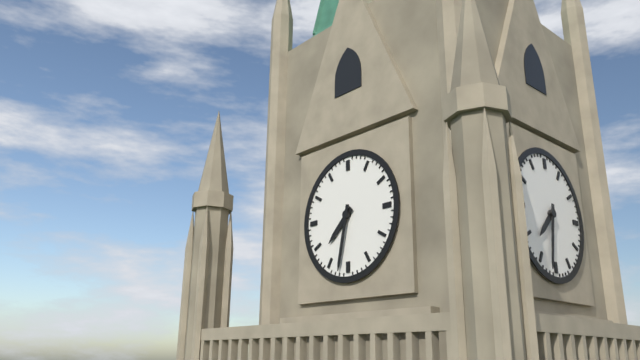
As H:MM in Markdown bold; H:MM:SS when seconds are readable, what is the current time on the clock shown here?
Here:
**7:32**
